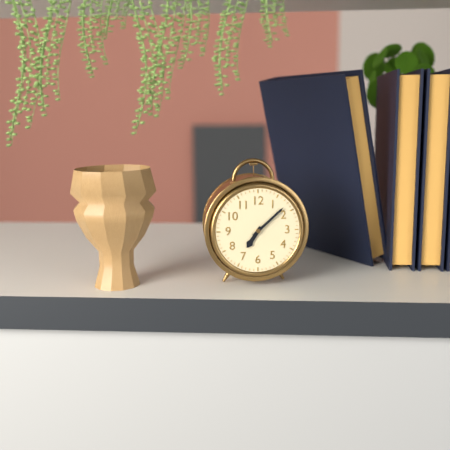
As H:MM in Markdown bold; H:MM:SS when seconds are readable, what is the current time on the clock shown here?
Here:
**7:08**
